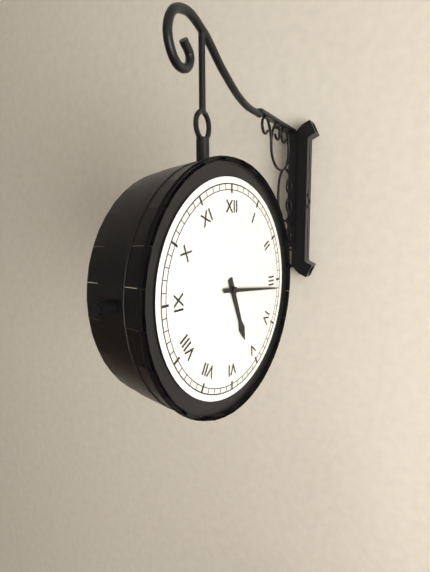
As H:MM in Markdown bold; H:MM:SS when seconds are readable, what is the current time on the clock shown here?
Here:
**5:16**
